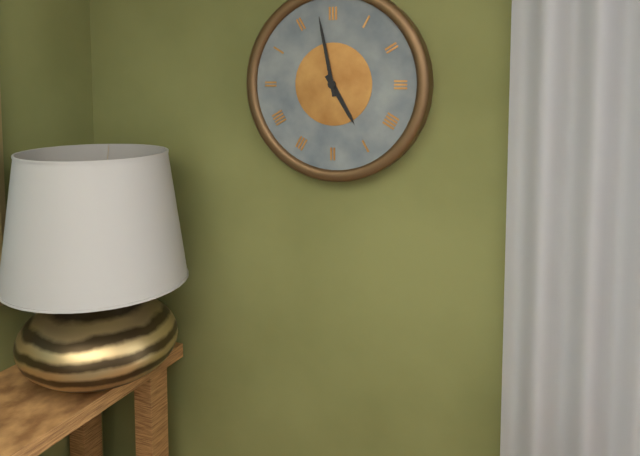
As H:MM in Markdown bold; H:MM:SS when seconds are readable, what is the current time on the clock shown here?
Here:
**4:58**
